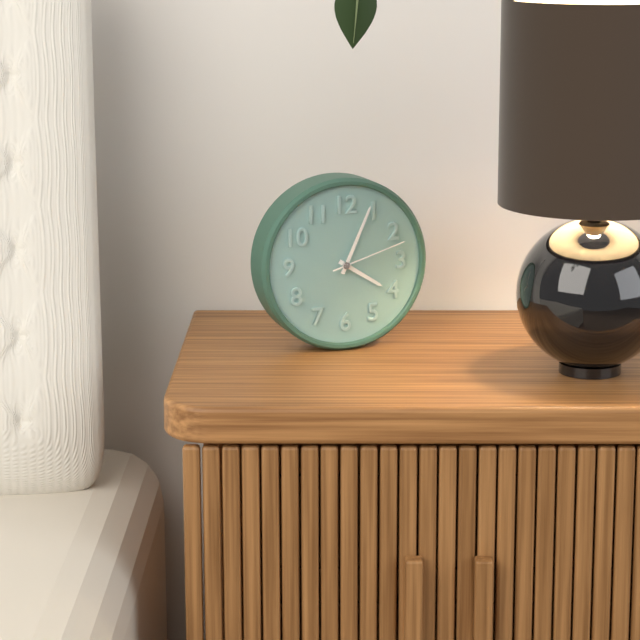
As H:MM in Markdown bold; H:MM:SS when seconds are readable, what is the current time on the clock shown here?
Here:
**4:04:12**
